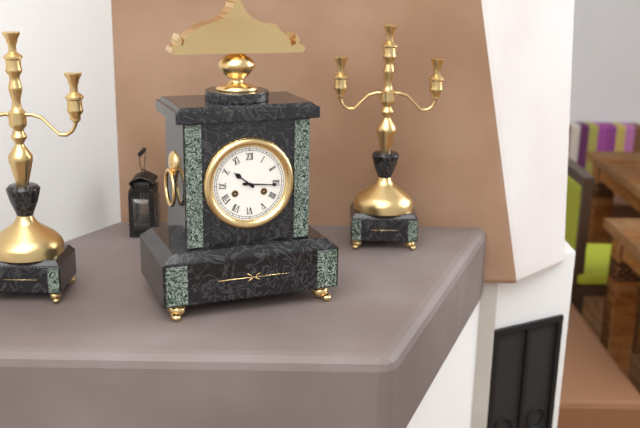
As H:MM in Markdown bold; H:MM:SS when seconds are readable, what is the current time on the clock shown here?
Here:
**10:16**
